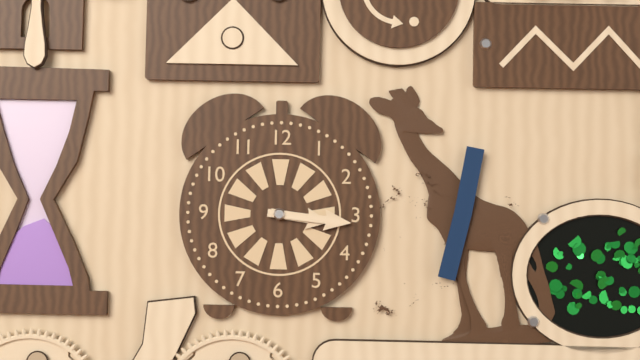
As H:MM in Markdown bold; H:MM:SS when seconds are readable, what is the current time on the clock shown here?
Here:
**3:16**
